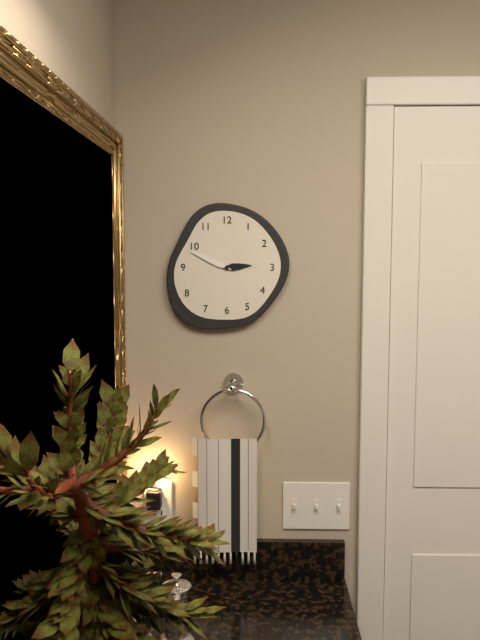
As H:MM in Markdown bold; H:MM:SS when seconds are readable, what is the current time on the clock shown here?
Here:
**2:49**
